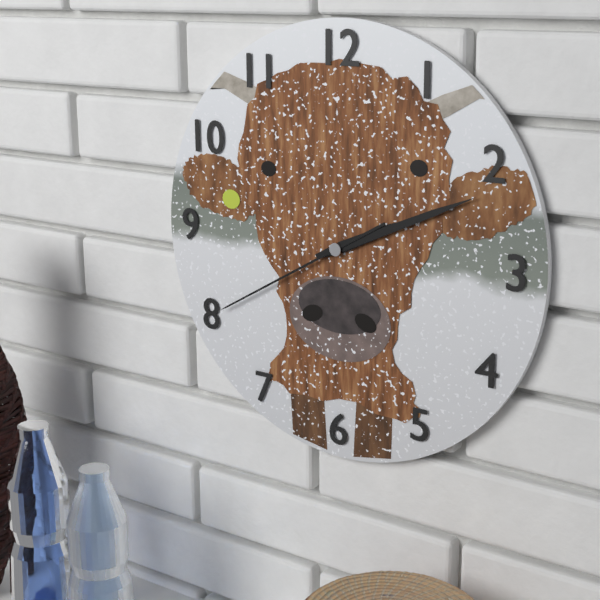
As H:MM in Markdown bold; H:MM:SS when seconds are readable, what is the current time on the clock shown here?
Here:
**2:11:40**
